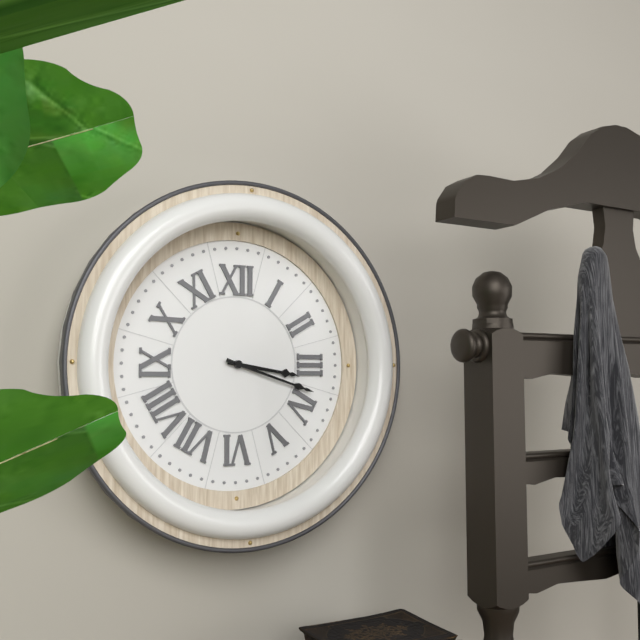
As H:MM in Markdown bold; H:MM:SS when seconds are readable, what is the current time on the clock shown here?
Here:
**3:18**
